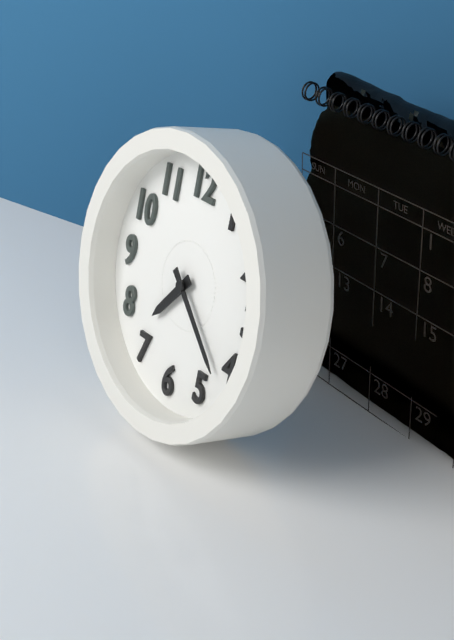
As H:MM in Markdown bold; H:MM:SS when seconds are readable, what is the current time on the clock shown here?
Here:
**7:22**
